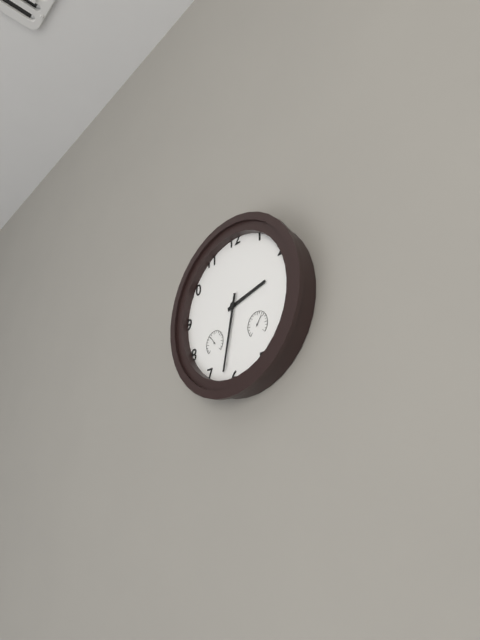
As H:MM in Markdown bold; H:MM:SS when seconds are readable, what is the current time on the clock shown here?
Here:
**2:32**
